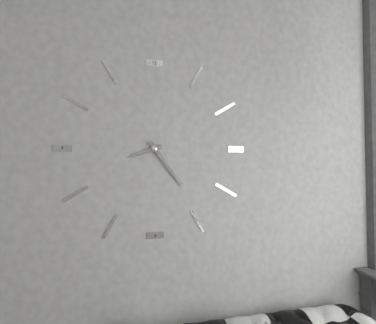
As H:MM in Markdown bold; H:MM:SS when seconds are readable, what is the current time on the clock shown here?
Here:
**8:24**
